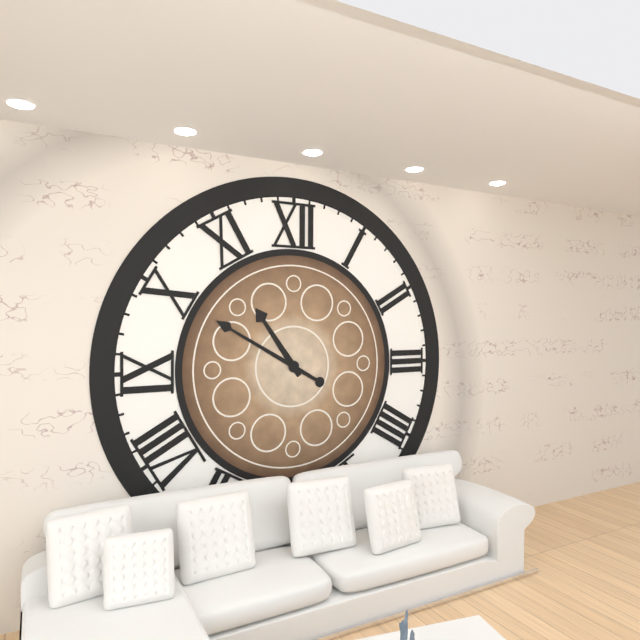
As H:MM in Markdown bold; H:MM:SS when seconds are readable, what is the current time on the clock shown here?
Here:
**10:50**
